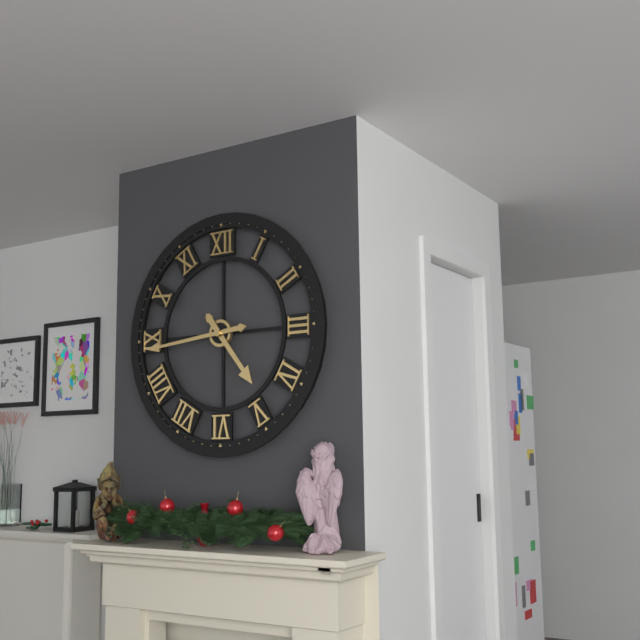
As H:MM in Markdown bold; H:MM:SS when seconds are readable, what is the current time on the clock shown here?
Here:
**4:44**
